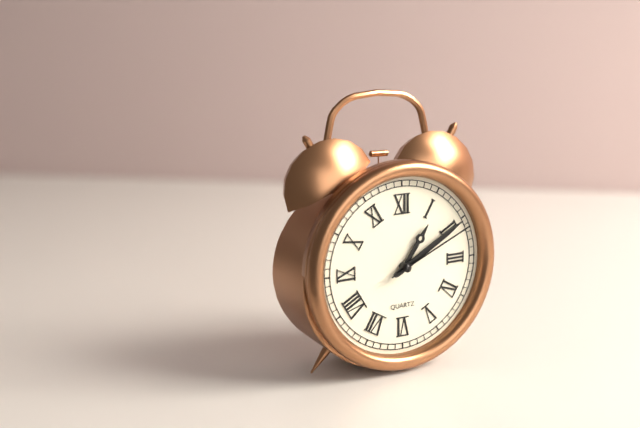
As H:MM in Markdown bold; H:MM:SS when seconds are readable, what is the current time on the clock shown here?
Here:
**1:10:11**
